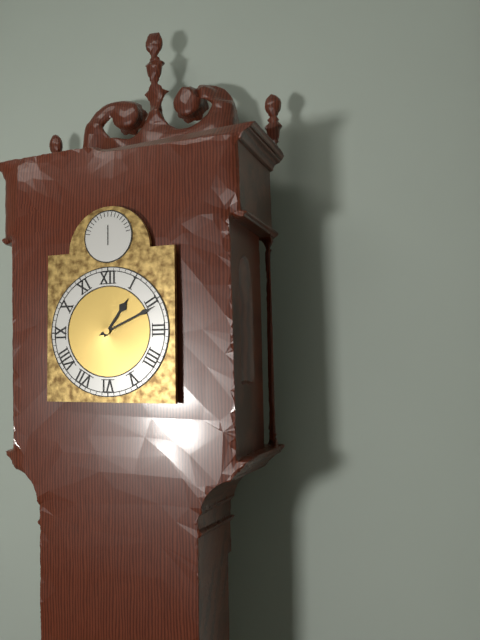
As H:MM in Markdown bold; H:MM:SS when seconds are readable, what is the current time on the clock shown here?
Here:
**1:11**
